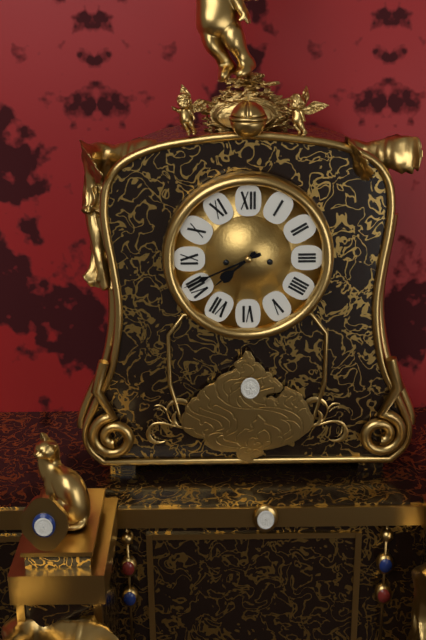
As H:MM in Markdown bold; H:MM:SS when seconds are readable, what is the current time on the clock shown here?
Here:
**7:41**
